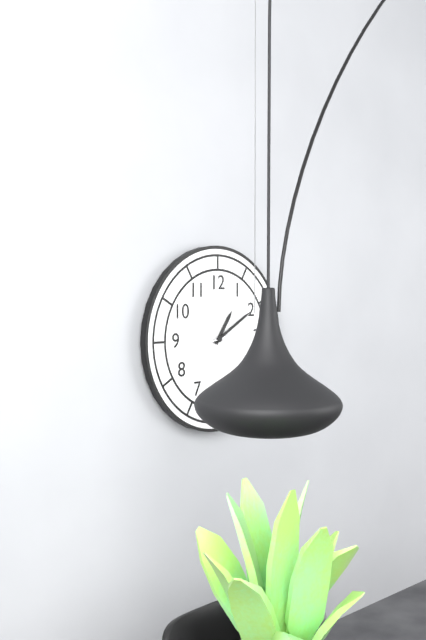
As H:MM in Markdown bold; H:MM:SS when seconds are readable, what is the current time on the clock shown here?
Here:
**1:10**
